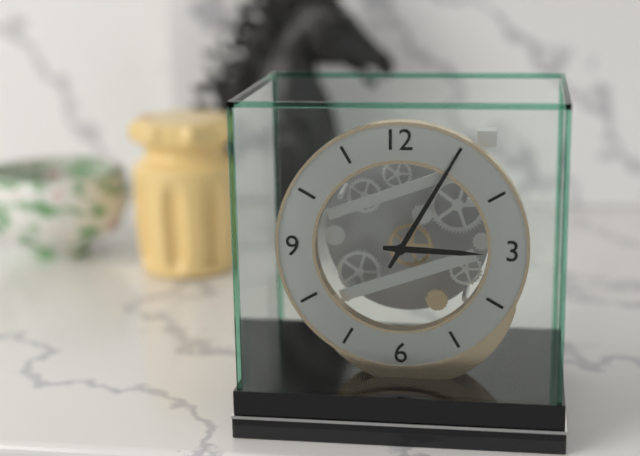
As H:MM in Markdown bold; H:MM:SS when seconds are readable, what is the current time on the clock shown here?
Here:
**3:05**
